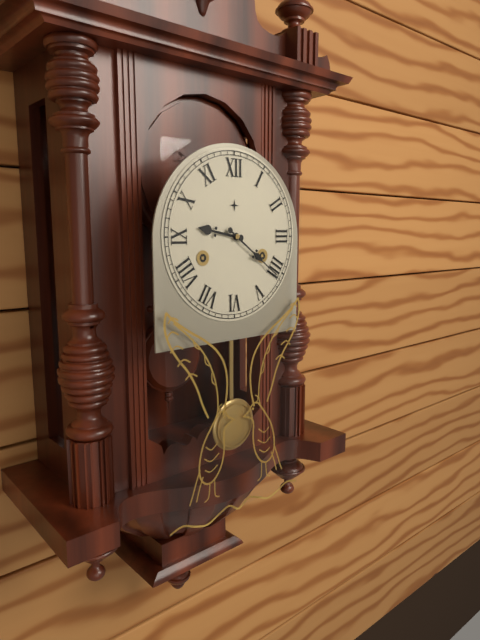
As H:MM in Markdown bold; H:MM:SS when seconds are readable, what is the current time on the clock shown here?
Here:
**9:21**
